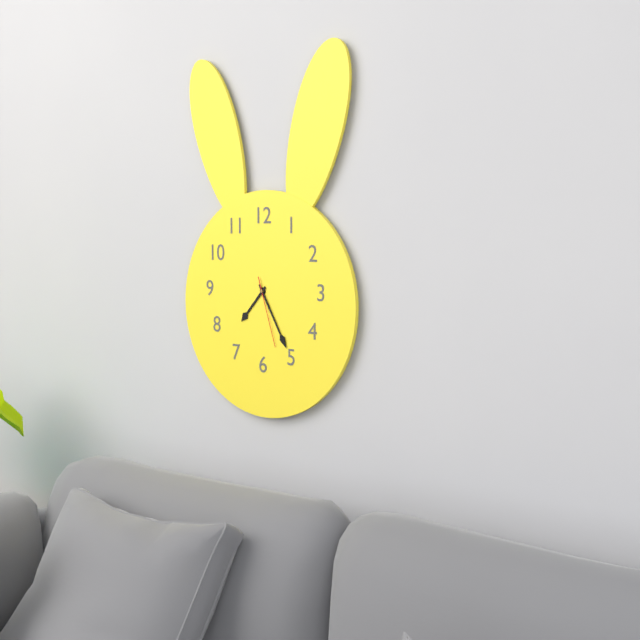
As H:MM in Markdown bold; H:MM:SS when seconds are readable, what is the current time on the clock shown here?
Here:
**7:25:27**
